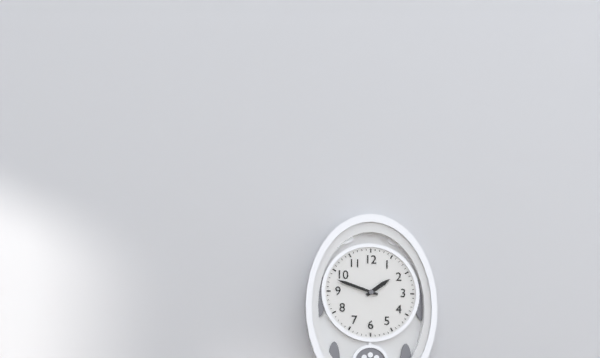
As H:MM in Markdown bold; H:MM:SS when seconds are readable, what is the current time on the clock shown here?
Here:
**1:48**
